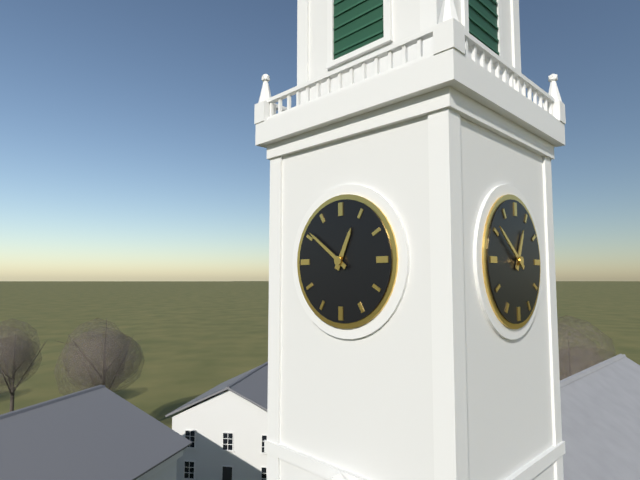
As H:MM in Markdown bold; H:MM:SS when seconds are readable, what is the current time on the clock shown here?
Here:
**12:51**
